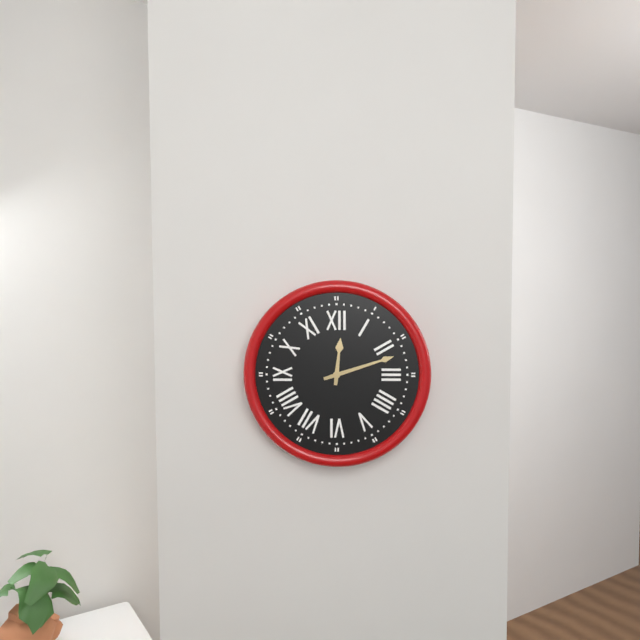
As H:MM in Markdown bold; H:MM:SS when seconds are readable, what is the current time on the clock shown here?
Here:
**12:12**
